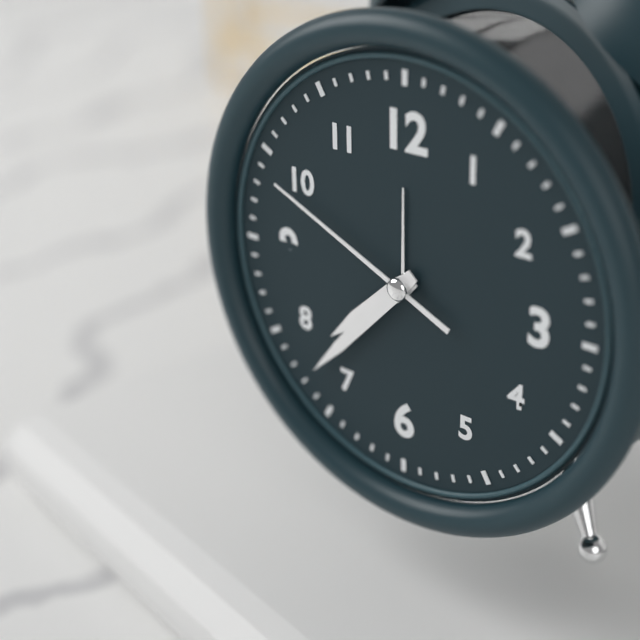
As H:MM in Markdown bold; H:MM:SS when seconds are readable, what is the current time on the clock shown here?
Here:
**7:37:49**
